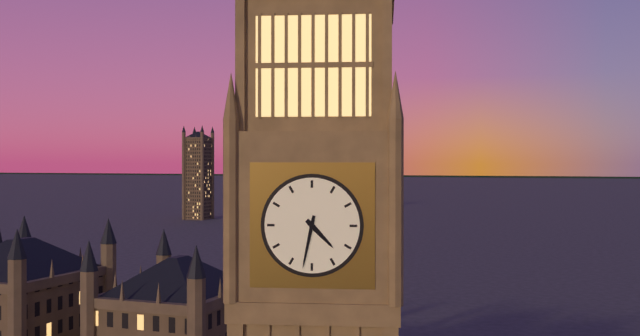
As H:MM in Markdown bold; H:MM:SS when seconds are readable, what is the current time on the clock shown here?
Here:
**4:32**
